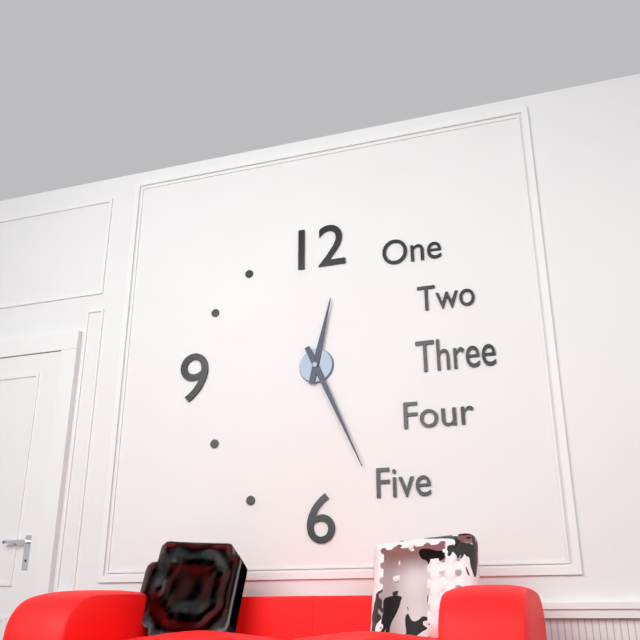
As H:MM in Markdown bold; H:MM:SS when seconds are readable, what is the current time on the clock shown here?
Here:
**12:26**
